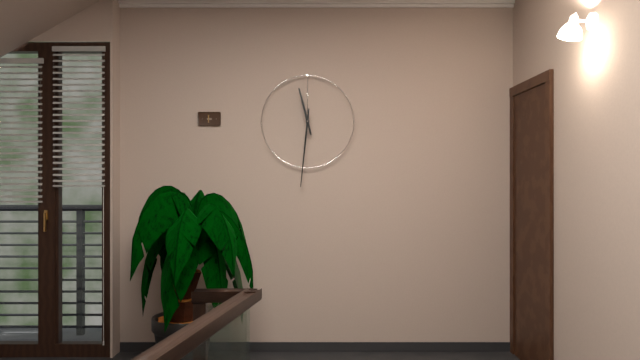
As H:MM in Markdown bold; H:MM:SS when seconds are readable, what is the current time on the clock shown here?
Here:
**11:31**
